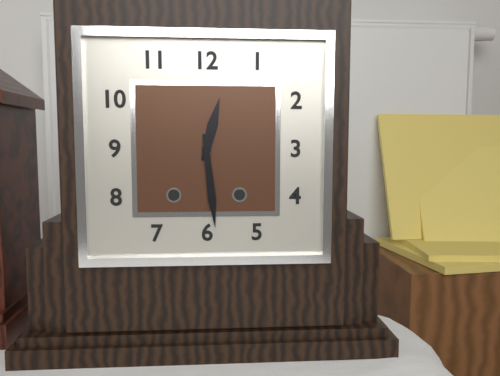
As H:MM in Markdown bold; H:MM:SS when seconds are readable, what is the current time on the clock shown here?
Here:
**12:29**
